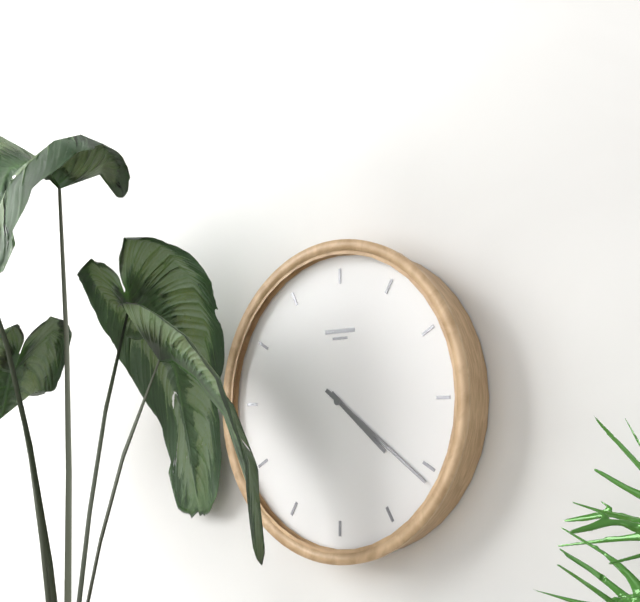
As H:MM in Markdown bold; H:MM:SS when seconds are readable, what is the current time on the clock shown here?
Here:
**4:21**
